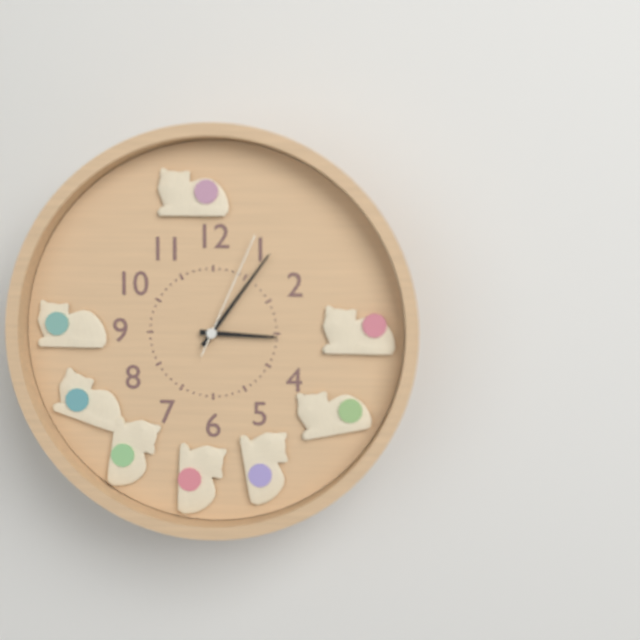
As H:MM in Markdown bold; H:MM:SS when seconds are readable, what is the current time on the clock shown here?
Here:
**3:06:04**
